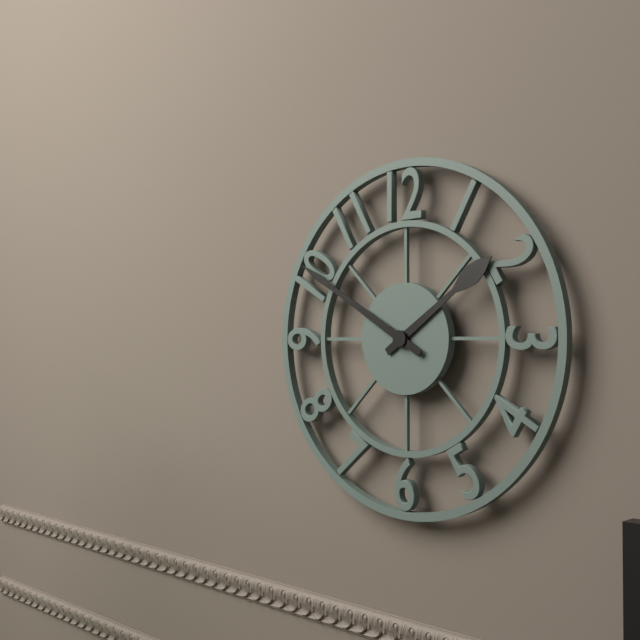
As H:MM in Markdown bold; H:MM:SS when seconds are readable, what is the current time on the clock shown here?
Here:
**1:50**
